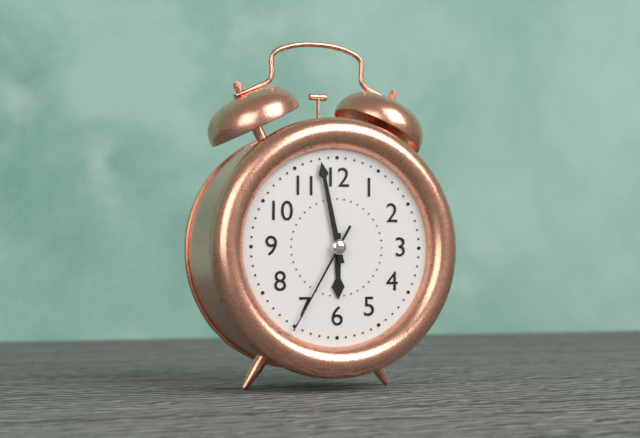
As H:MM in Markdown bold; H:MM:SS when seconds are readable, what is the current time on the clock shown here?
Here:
**5:58:35**
